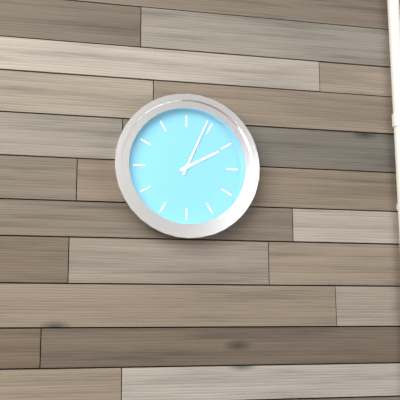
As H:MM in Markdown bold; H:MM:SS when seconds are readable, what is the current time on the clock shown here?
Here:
**2:04**
